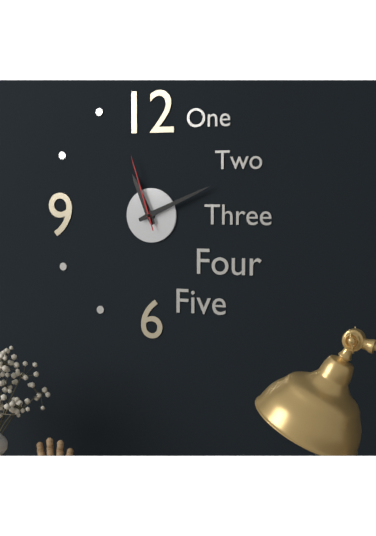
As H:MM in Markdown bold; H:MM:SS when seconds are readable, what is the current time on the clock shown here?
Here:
**11:11:57**
